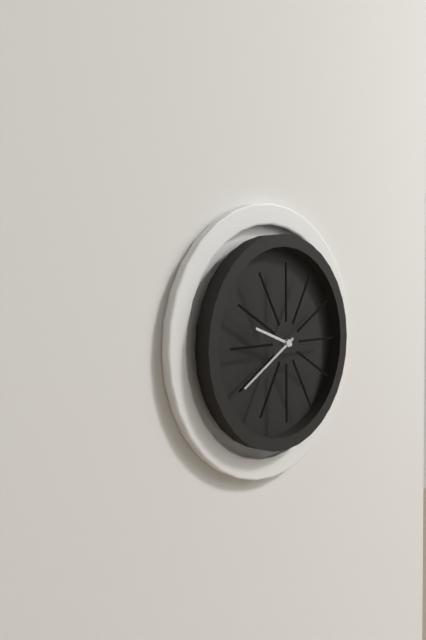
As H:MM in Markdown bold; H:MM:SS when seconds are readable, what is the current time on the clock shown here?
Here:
**9:40**
